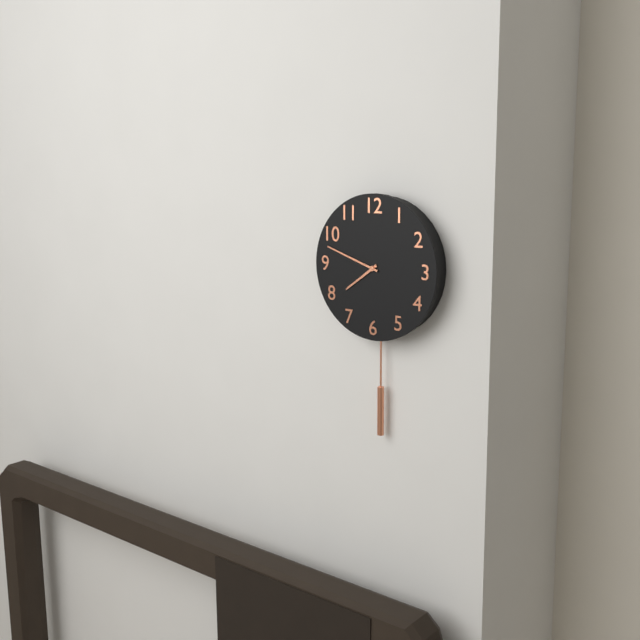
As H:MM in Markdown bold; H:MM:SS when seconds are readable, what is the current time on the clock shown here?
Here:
**7:48**
